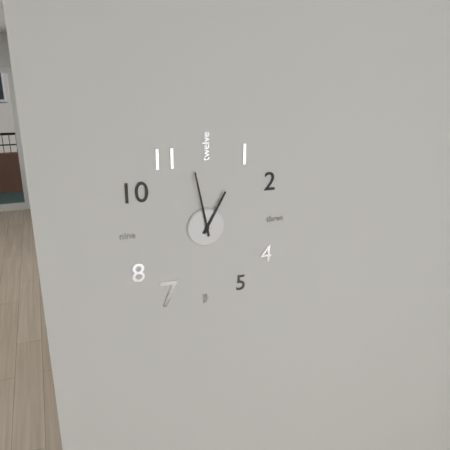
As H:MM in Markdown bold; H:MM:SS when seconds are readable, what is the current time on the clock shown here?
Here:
**12:58**
